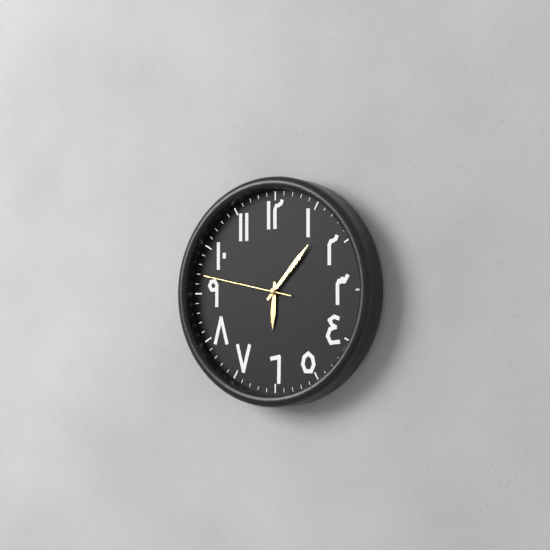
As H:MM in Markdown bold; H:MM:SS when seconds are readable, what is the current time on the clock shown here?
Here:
**6:07:47**
